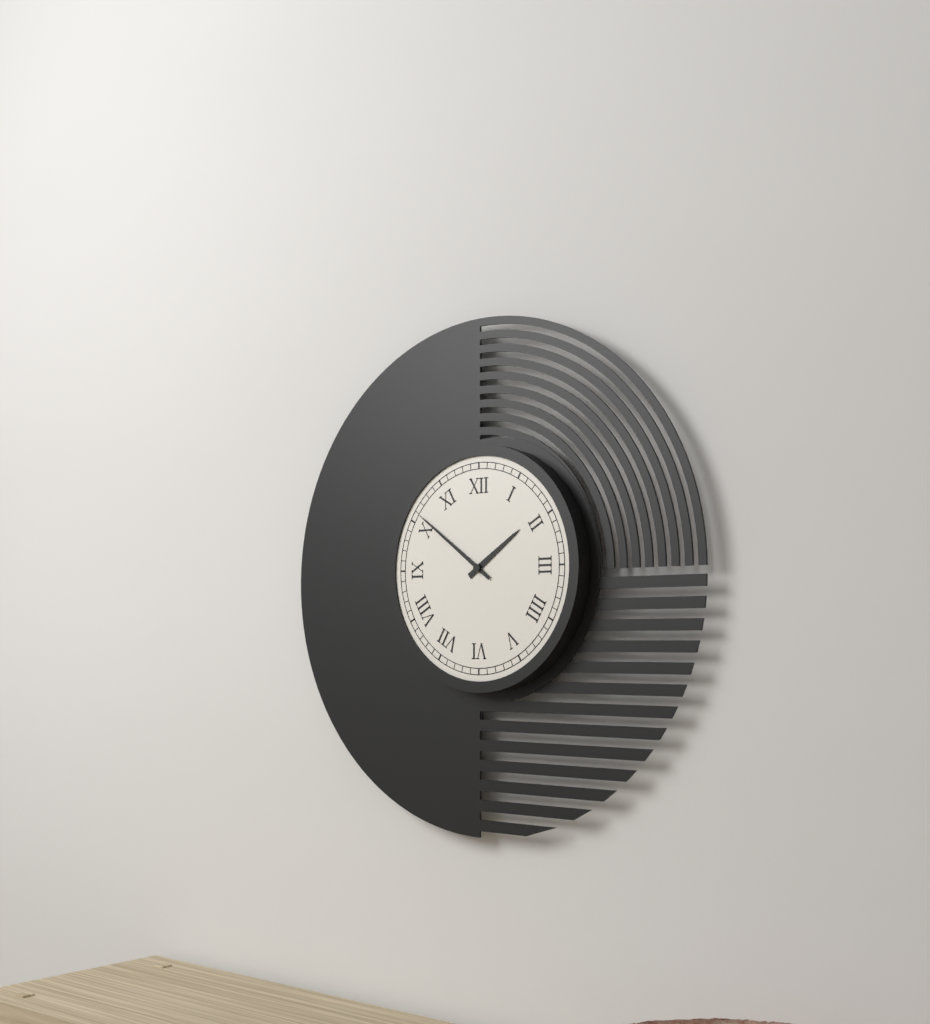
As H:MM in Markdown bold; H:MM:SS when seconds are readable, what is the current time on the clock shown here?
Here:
**1:51**
